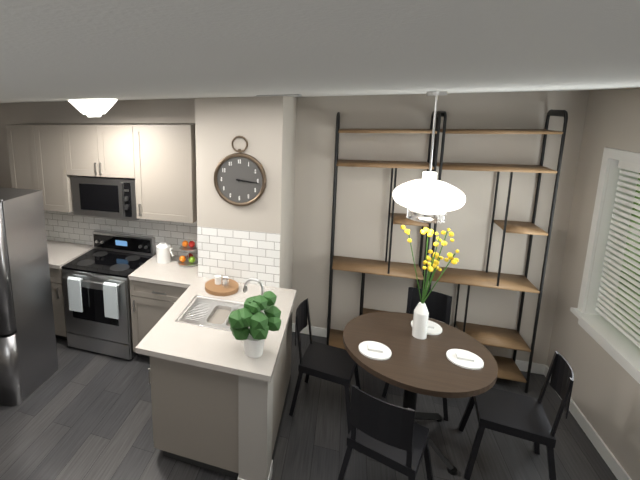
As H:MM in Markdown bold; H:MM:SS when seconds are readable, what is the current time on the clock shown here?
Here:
**3:16**
